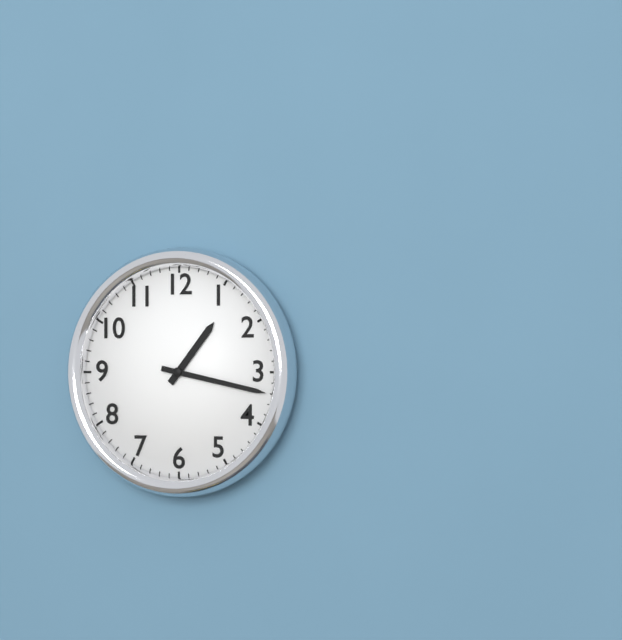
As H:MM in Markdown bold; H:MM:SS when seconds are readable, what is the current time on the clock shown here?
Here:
**1:17**
